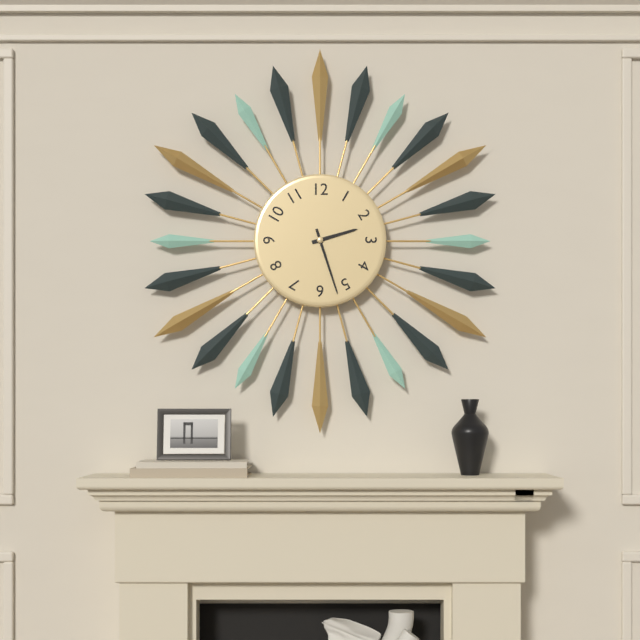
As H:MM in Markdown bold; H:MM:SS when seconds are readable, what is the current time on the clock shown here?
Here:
**2:27**
